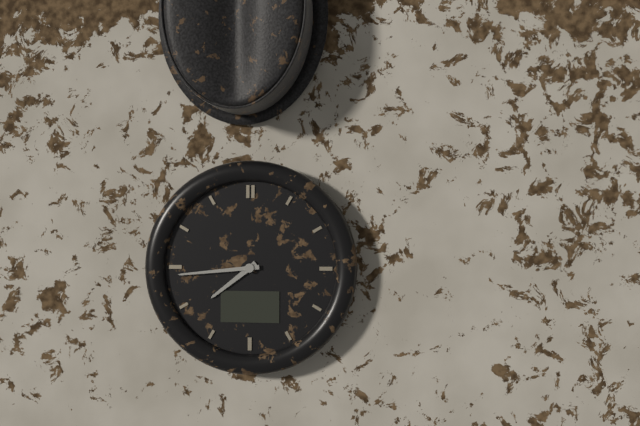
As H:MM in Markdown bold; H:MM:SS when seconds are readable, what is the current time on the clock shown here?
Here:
**7:44**
